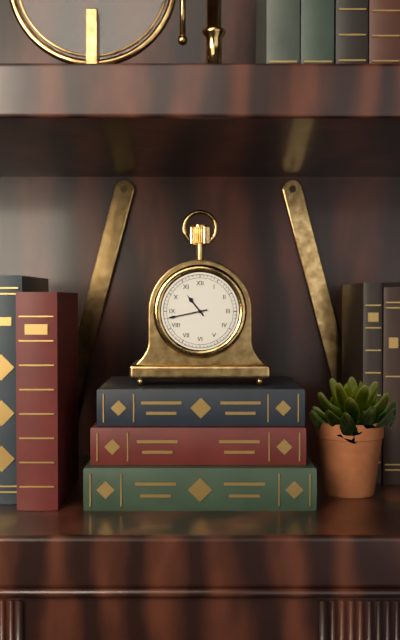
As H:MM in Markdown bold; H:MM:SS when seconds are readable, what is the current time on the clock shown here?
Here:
**10:43**
